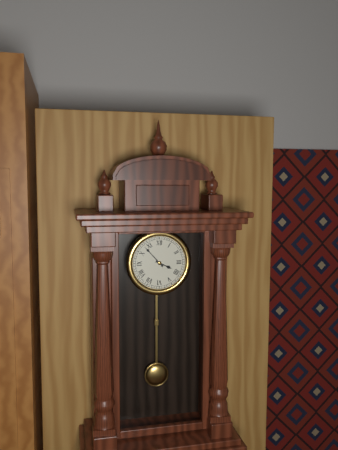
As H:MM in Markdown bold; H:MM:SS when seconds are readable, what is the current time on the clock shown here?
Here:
**3:53**
